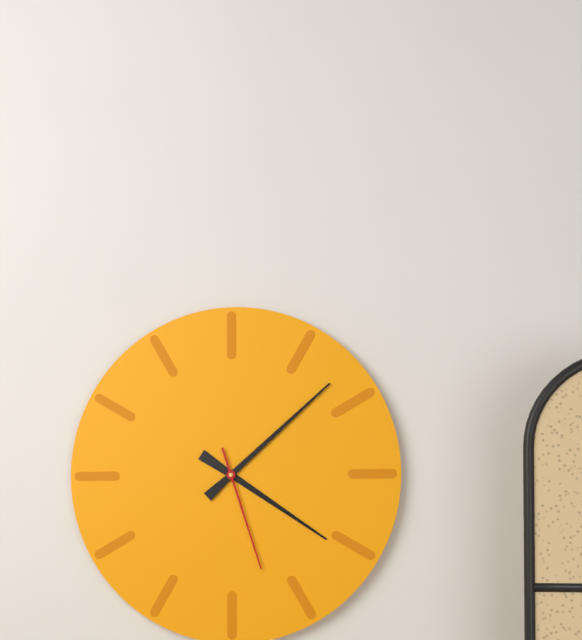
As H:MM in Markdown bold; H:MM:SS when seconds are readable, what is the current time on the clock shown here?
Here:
**4:08:27**
